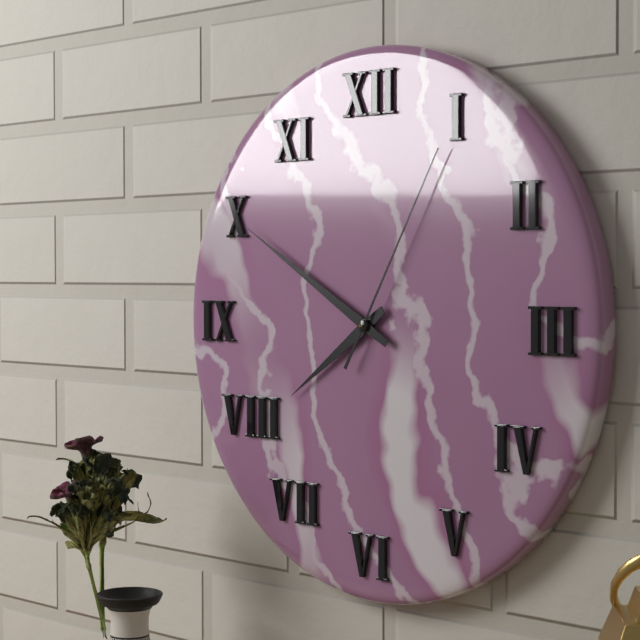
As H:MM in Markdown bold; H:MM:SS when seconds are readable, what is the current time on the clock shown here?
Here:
**7:50:05**
